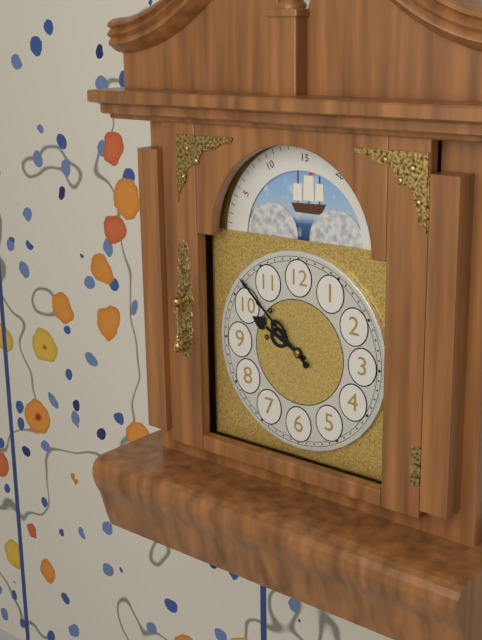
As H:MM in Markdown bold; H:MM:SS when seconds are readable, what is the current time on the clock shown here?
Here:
**9:52**
